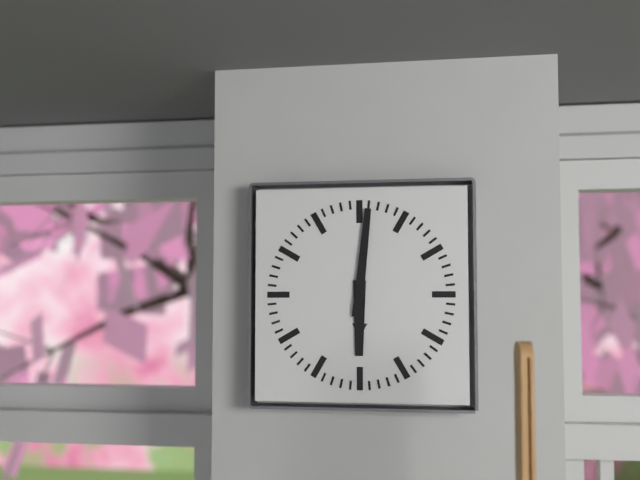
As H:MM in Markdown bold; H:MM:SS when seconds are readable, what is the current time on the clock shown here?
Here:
**6:01**
